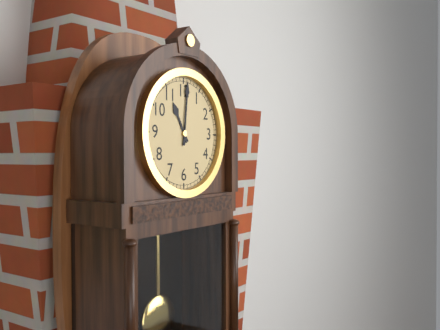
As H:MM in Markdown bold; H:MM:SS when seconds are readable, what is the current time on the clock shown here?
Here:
**11:01**
